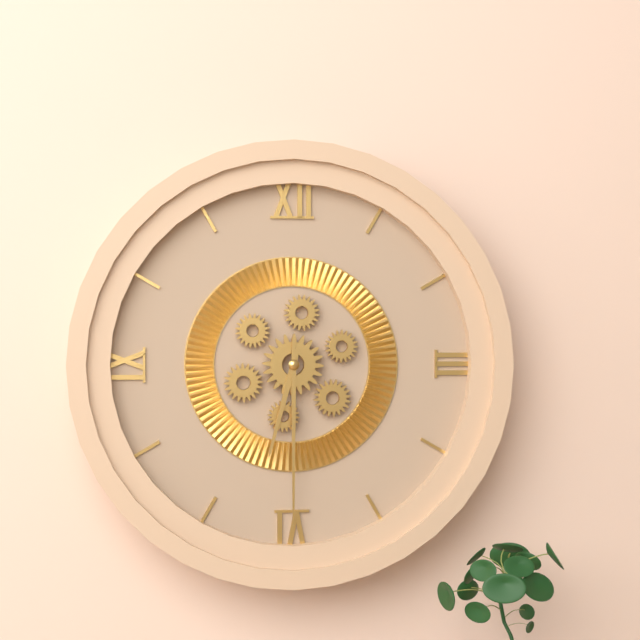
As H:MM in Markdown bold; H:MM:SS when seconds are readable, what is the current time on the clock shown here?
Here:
**6:30**
